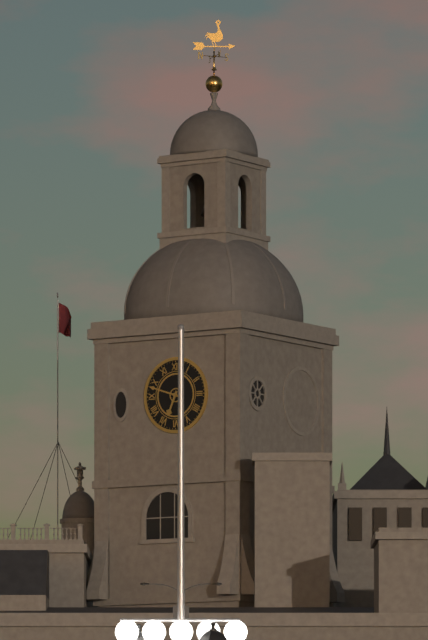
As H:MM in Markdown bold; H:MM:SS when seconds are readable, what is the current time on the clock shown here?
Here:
**6:48**
